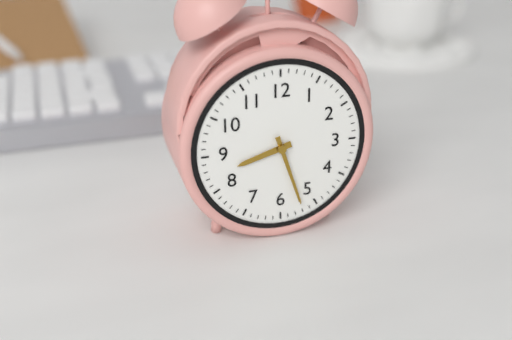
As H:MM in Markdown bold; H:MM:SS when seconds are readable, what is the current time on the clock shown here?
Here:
**8:27**
